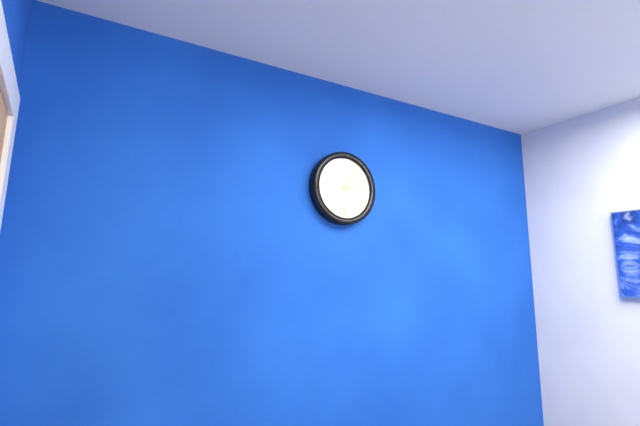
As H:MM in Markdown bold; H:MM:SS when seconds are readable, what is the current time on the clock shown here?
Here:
**3:05**
